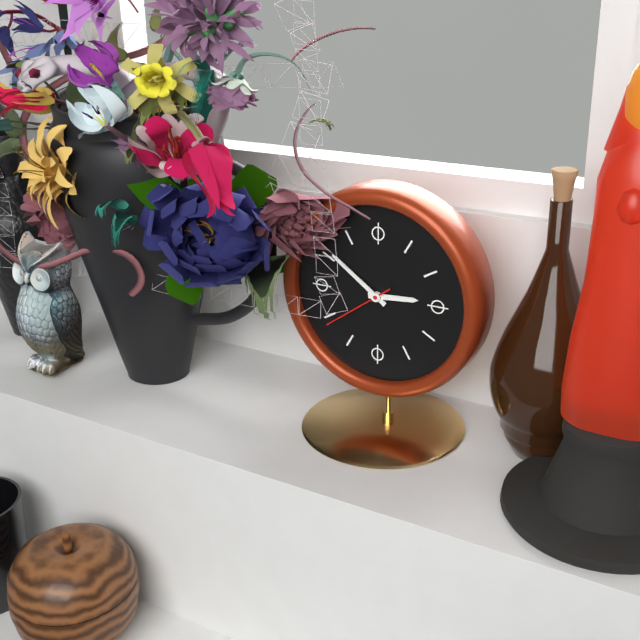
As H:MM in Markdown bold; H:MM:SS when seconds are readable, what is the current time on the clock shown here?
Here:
**2:51:39**
